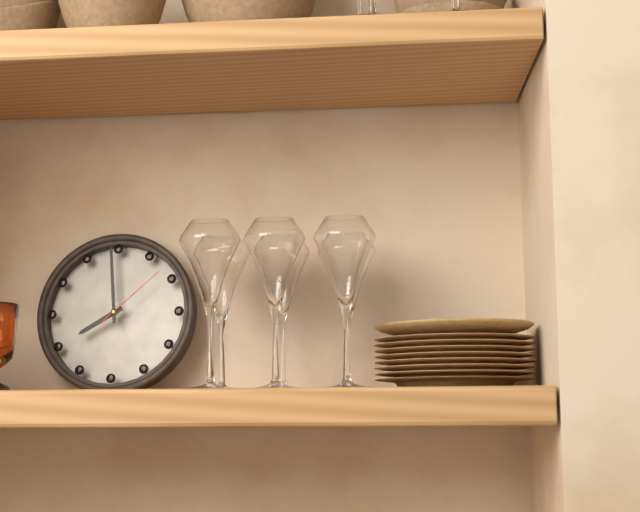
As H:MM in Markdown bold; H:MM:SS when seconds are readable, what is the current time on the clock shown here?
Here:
**7:59:08**
